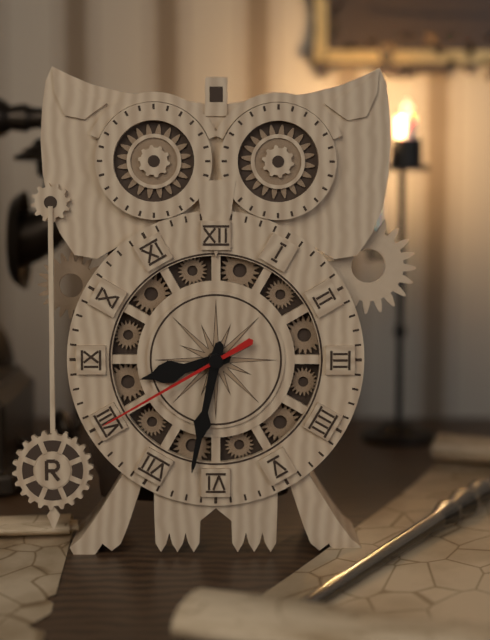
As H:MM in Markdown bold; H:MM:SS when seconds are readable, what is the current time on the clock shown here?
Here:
**8:32:40**
